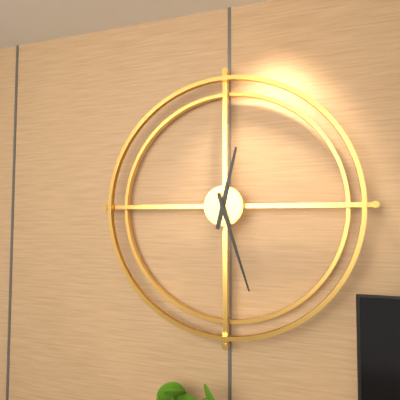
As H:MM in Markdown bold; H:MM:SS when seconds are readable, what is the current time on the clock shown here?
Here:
**12:27**
